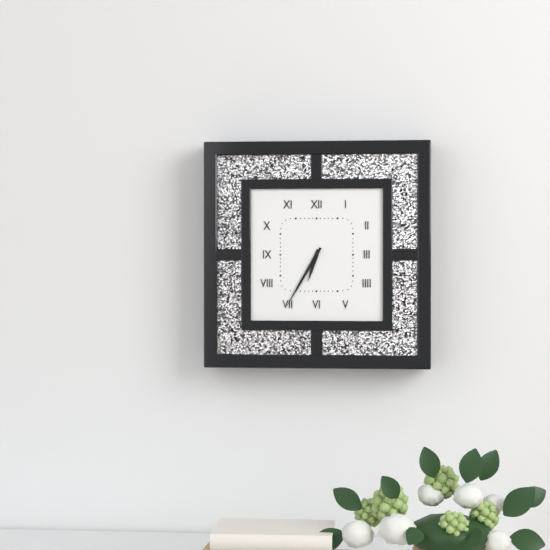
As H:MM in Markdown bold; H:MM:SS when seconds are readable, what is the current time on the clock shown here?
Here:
**6:35**
